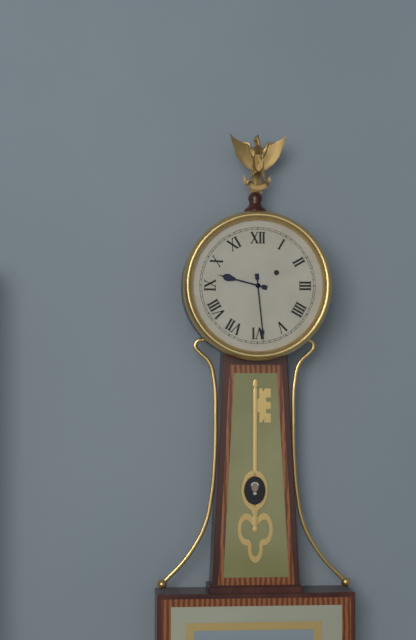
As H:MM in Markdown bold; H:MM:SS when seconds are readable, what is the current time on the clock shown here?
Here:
**9:29**
